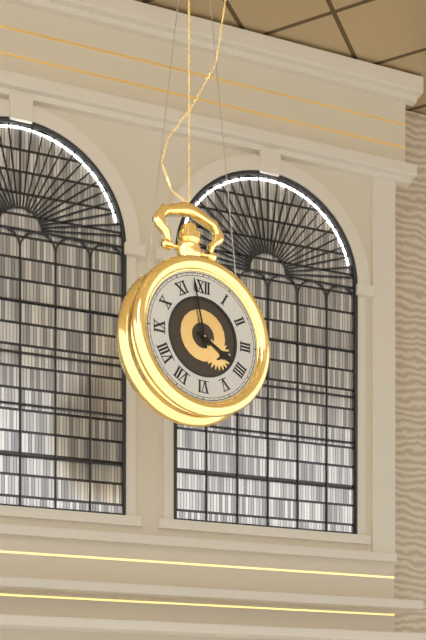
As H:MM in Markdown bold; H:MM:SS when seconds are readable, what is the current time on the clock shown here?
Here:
**3:58**
